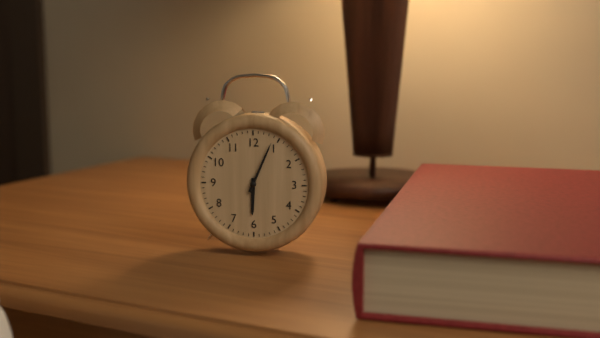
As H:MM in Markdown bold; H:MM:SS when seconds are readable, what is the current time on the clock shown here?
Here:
**6:04**
